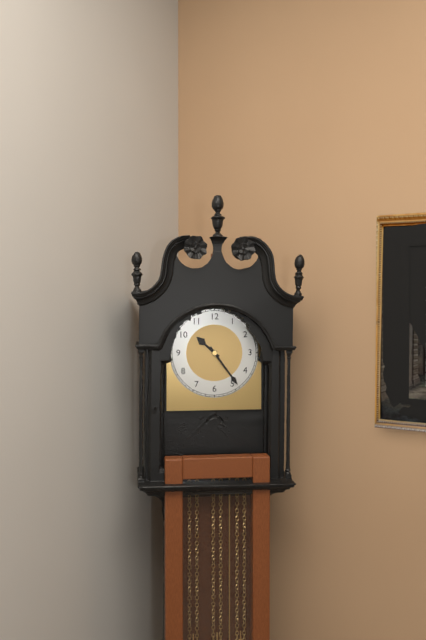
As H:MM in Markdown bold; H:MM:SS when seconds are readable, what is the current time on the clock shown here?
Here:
**10:24**
